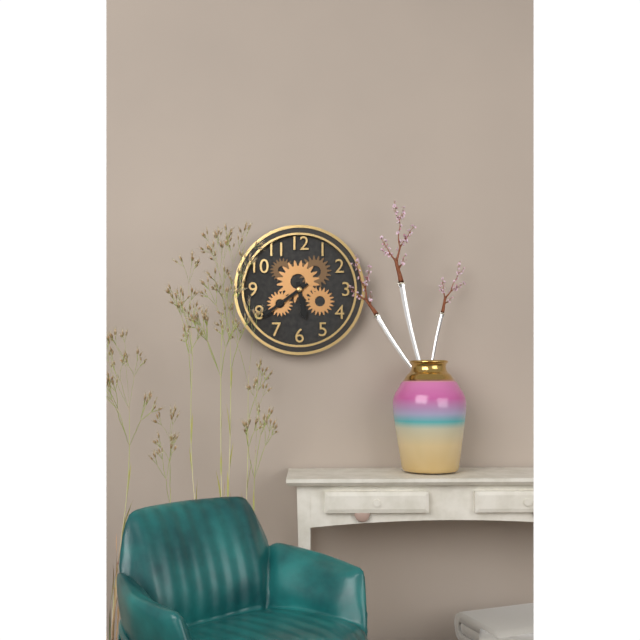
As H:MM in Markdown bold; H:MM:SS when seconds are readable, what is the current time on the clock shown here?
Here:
**5:39**
